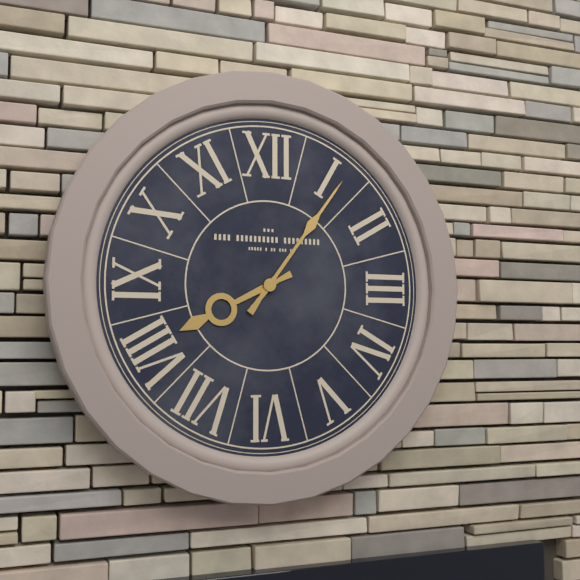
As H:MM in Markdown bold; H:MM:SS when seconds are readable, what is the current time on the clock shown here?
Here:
**8:06**
